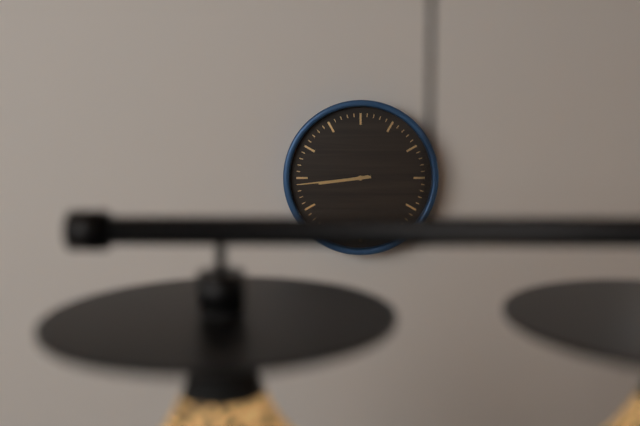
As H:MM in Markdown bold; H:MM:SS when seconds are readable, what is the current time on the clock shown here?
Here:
**8:44**
